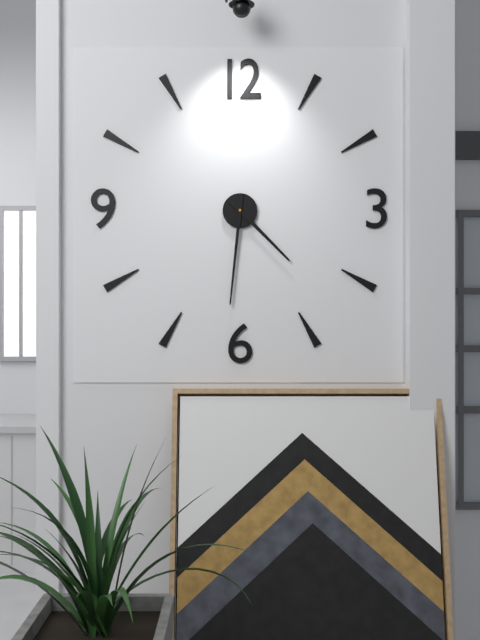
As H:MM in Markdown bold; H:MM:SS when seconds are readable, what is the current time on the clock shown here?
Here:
**4:31**
